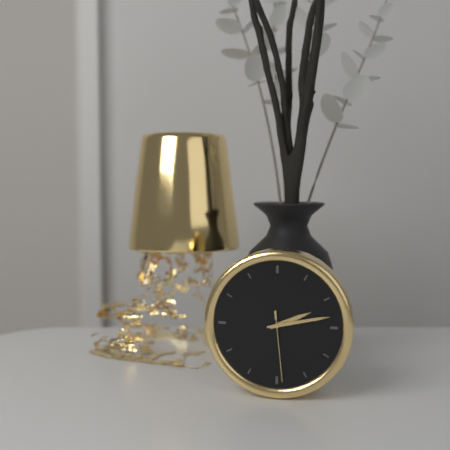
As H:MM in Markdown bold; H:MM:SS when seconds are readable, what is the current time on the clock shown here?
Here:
**2:13:29**
